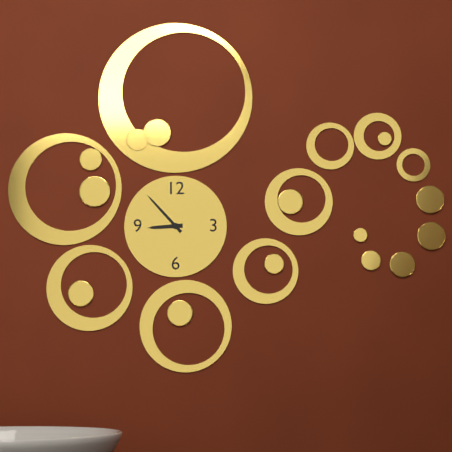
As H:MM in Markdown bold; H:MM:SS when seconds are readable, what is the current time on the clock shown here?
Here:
**8:53**
